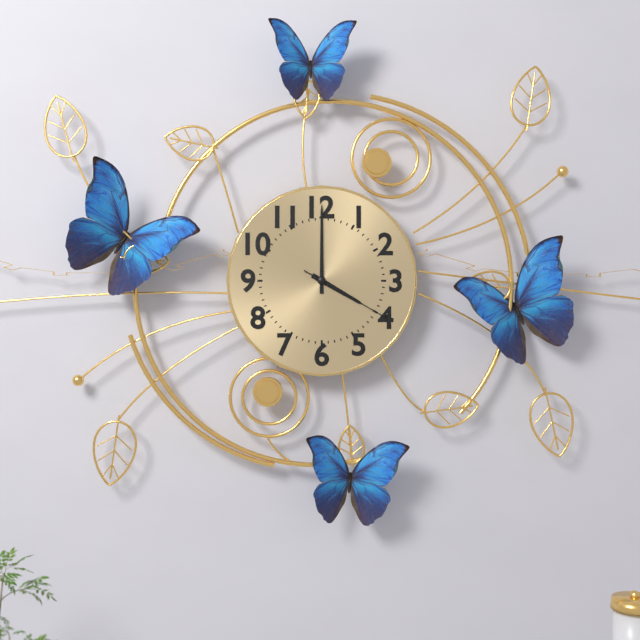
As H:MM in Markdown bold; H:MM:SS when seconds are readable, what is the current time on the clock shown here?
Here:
**4:00:20**
